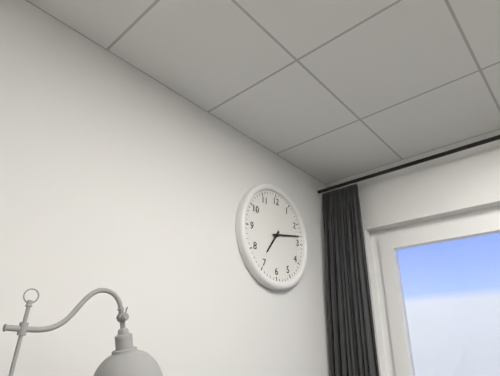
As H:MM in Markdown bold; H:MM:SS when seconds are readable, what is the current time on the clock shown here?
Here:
**7:13**
